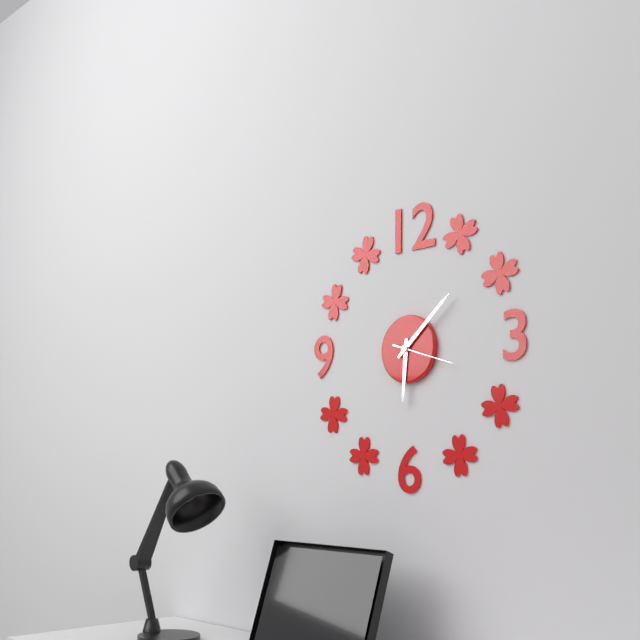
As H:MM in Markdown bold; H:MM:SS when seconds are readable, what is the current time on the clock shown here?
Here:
**6:08:18**
